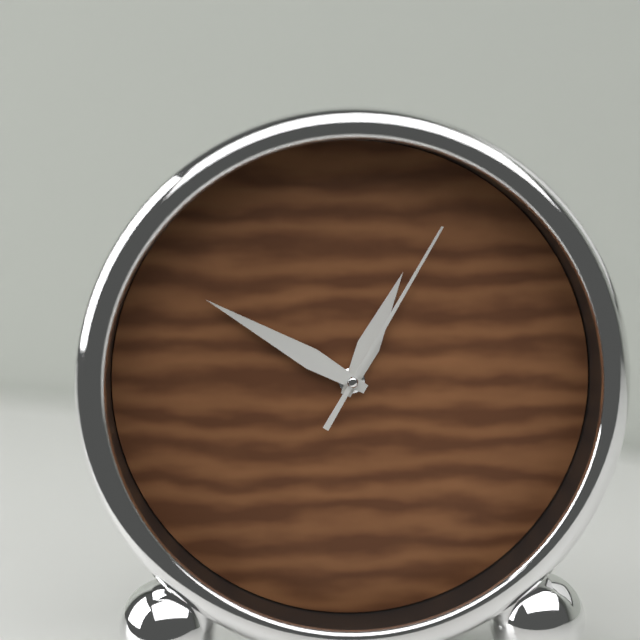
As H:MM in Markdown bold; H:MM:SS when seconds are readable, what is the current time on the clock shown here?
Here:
**12:50:05**
